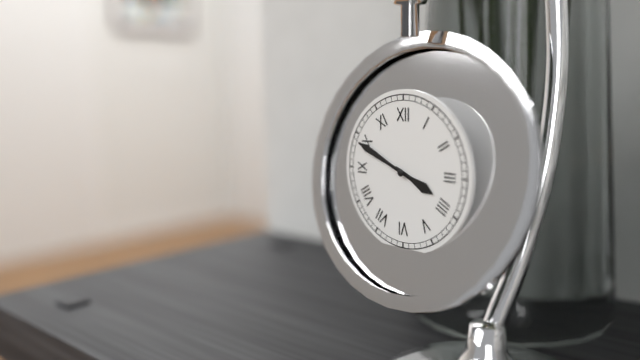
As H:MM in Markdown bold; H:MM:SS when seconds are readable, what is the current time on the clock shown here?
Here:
**3:49**
